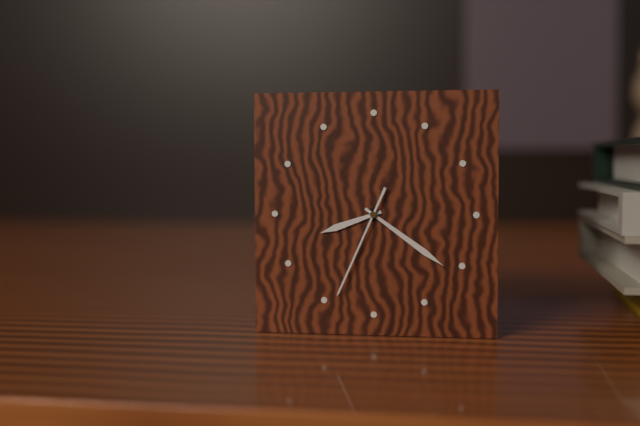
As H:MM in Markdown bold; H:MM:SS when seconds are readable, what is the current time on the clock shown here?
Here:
**8:21:34**
